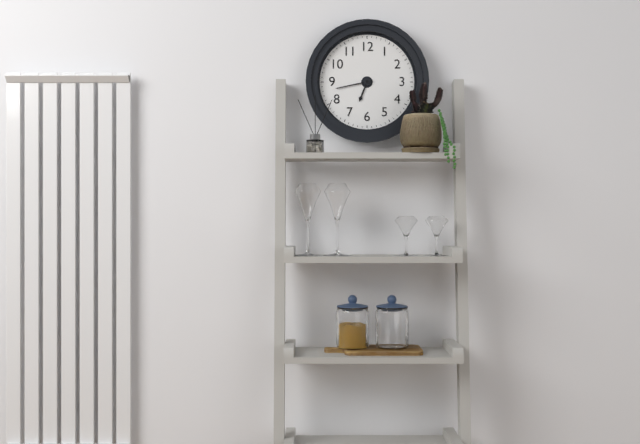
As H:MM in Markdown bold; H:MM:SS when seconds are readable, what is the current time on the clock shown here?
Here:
**6:43**
